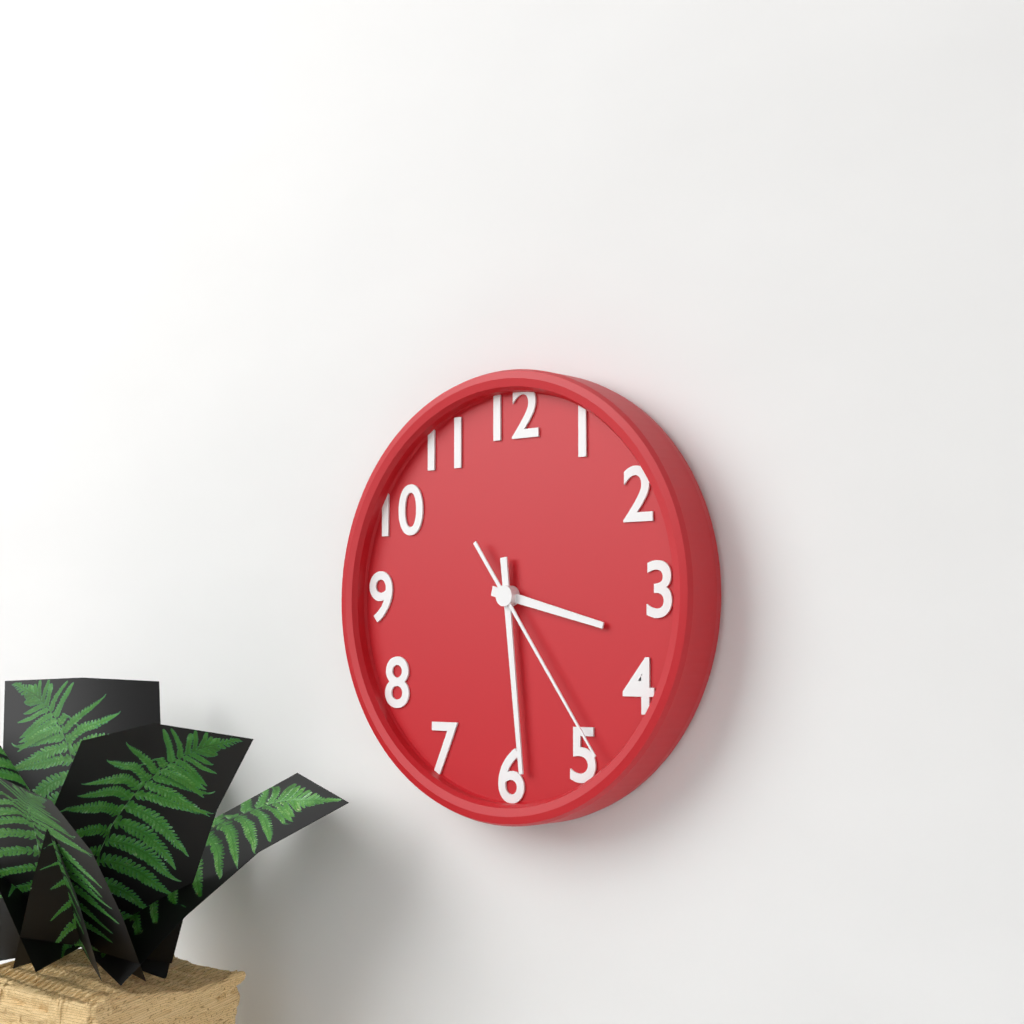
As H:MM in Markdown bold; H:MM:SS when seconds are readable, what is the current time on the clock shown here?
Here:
**3:29:24**
